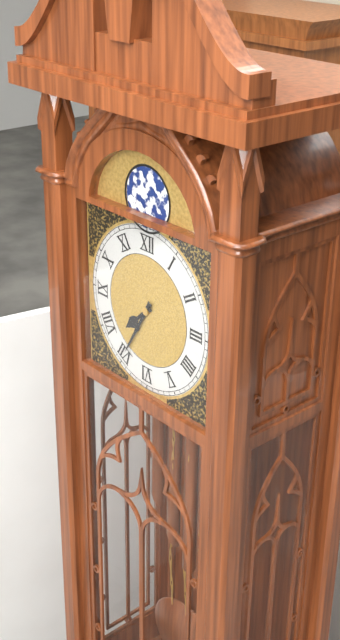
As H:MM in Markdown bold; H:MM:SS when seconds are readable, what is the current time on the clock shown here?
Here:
**7:35**
